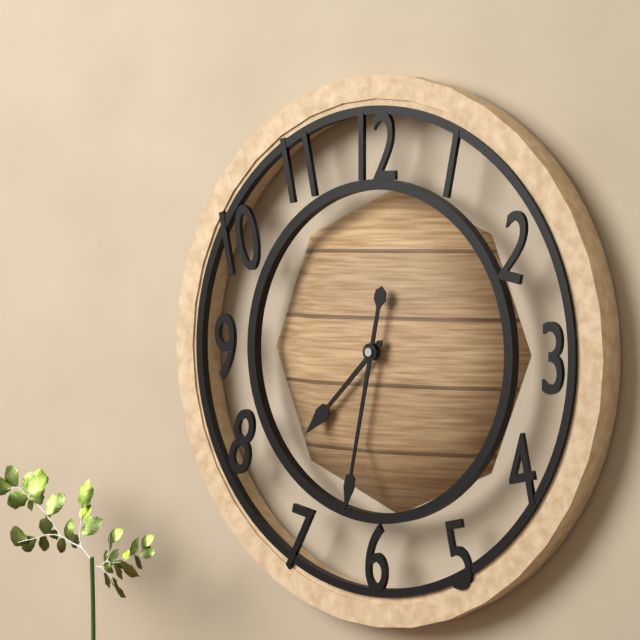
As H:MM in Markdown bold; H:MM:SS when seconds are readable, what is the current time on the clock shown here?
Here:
**7:32**
